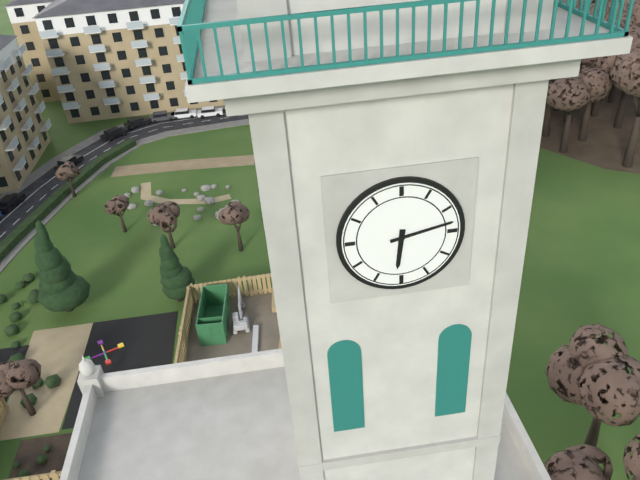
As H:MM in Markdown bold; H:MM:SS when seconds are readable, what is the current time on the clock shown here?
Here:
**6:13**
